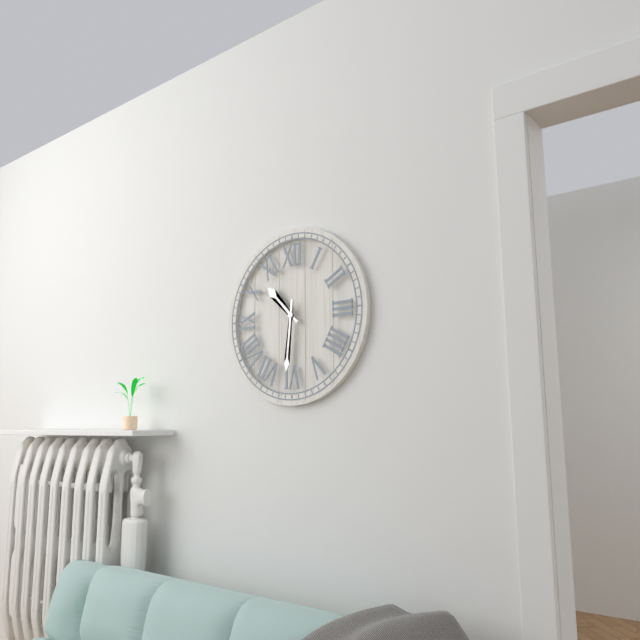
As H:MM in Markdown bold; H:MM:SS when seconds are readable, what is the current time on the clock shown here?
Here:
**10:31**
